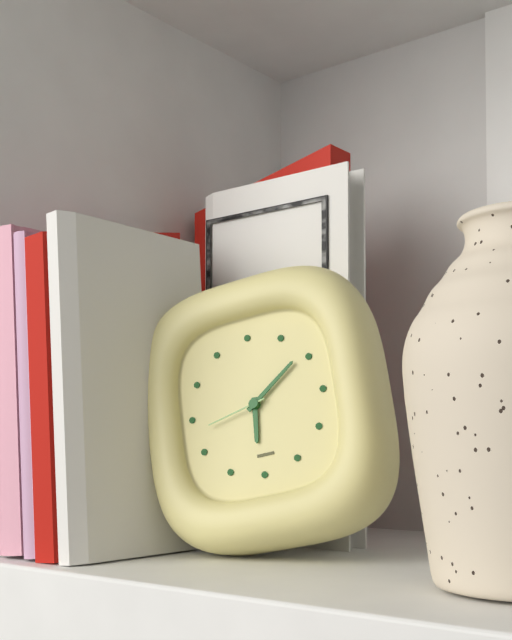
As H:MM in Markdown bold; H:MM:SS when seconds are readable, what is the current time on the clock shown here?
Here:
**6:09:43**
